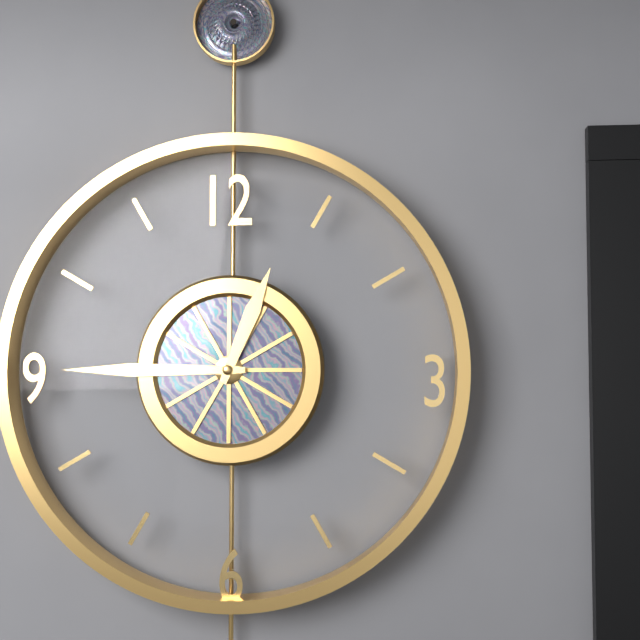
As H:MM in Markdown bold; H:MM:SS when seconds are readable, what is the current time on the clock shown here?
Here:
**12:45**
